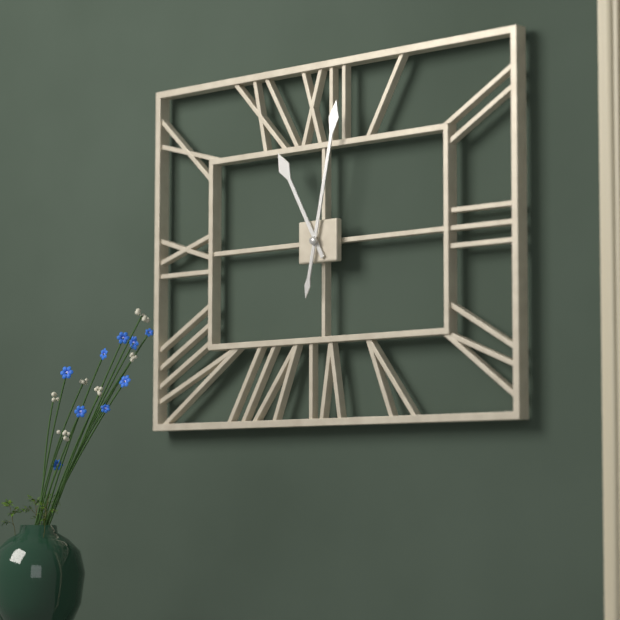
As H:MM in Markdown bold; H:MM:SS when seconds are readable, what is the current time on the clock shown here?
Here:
**11:02**
